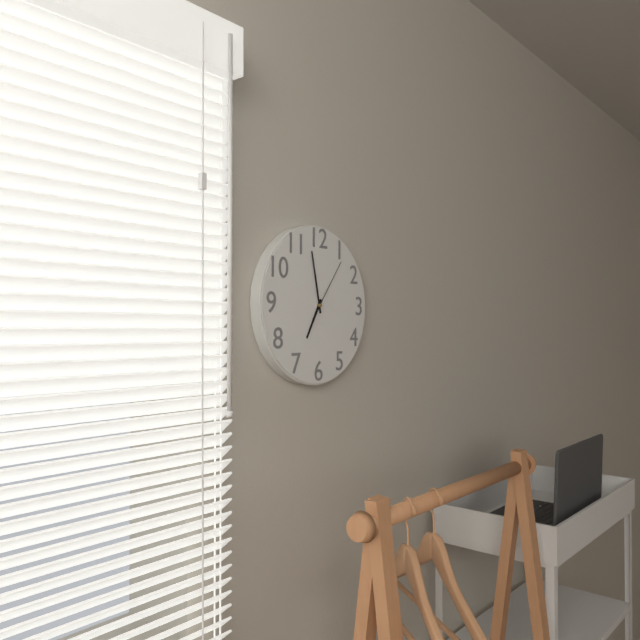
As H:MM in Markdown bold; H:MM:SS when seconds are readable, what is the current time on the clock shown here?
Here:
**6:58:06**
